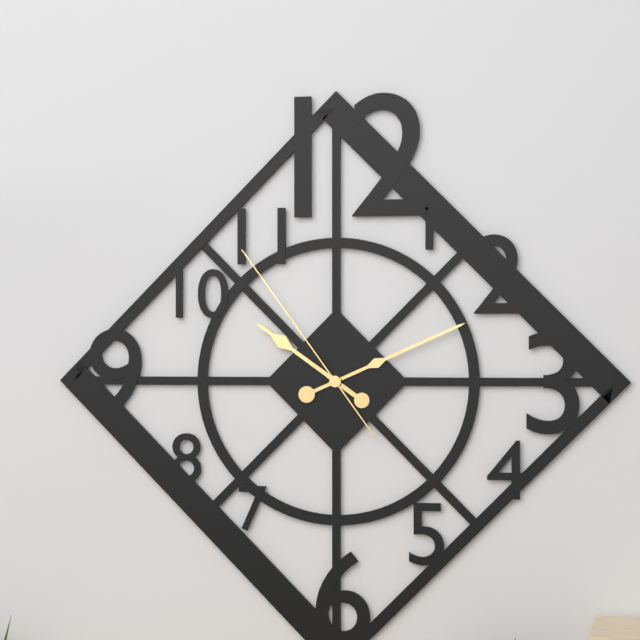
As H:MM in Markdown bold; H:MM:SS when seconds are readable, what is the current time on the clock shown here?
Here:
**10:11:54**
